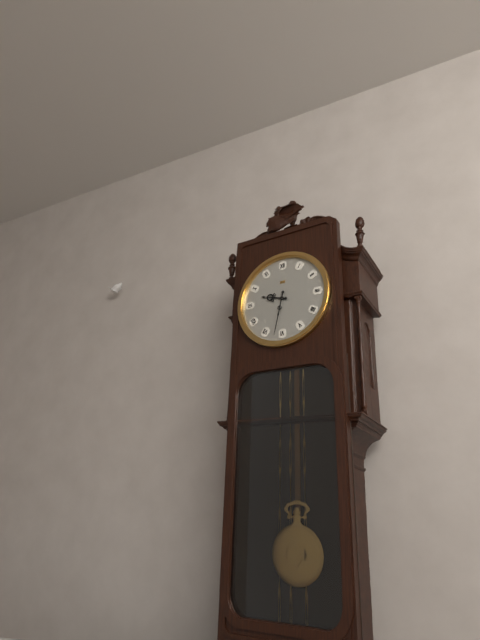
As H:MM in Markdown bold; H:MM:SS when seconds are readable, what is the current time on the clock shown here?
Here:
**9:32**
